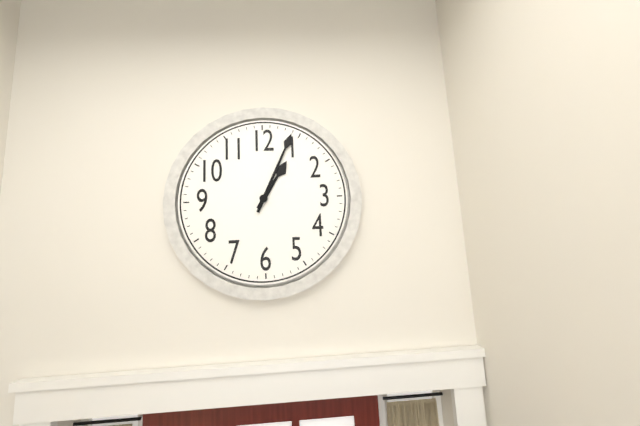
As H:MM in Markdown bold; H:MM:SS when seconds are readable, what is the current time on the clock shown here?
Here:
**1:04**
